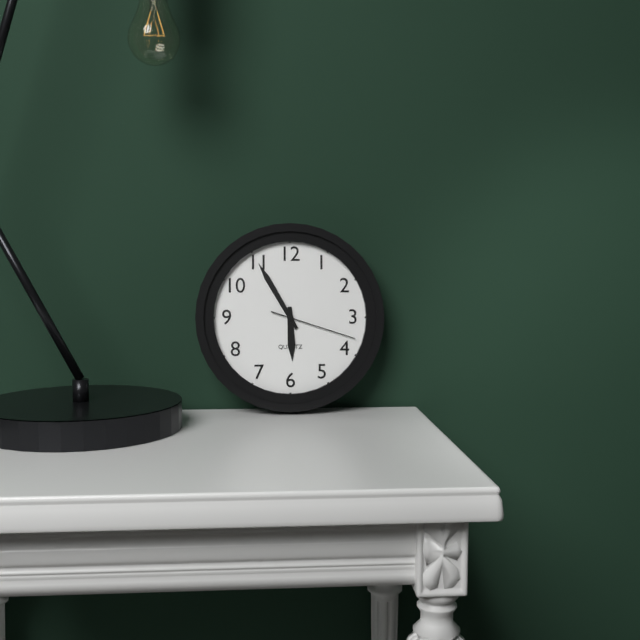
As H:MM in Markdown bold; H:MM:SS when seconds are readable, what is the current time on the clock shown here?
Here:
**5:55:18**
